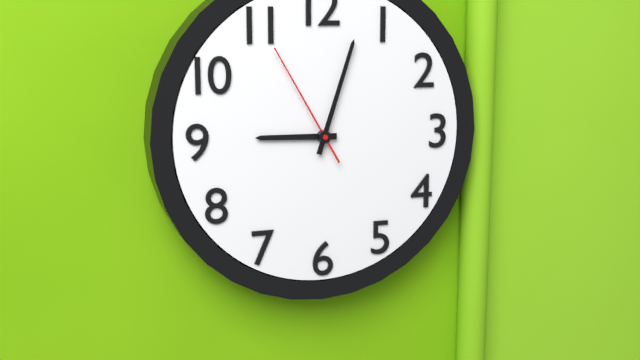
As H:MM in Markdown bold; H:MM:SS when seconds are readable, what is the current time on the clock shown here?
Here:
**9:03:55**
